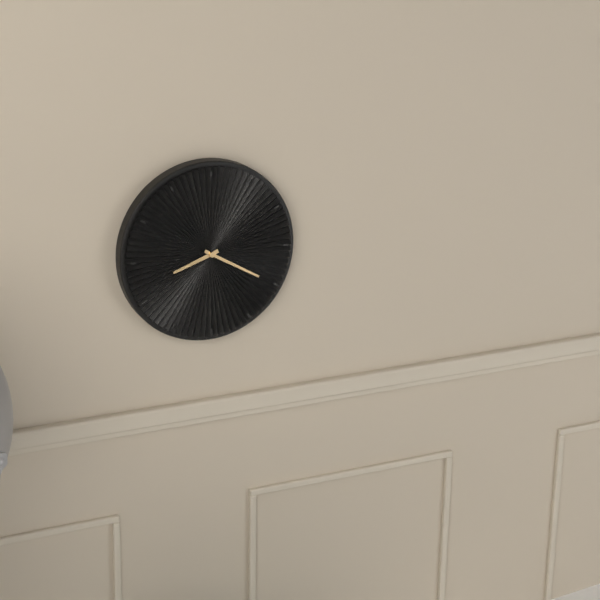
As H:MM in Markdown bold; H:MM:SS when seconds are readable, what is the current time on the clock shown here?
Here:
**8:20**
